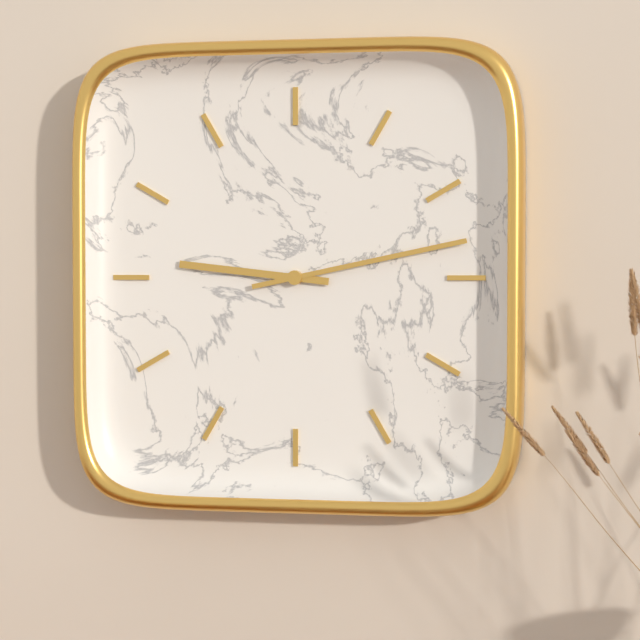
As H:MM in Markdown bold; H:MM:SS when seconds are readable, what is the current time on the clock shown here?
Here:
**9:13**
